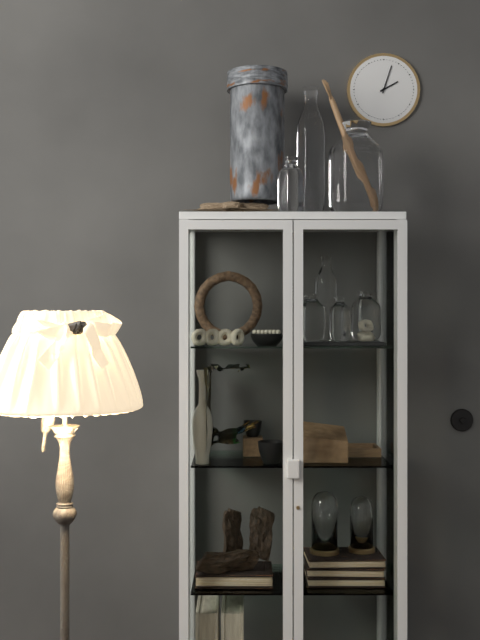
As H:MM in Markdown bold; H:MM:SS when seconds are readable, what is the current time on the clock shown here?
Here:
**2:03**
